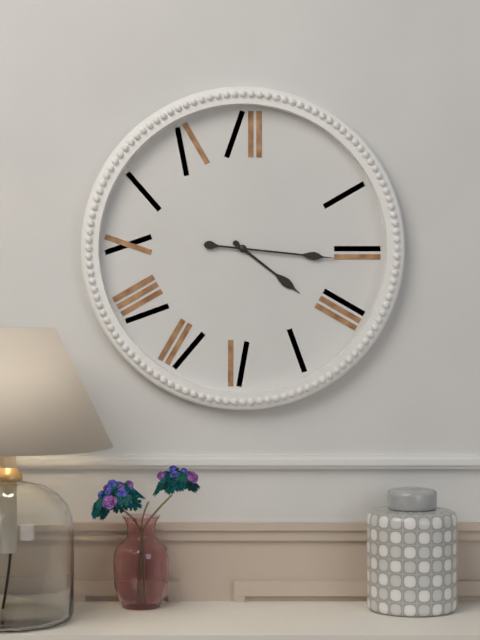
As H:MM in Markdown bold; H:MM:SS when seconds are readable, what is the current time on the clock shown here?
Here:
**4:16**
